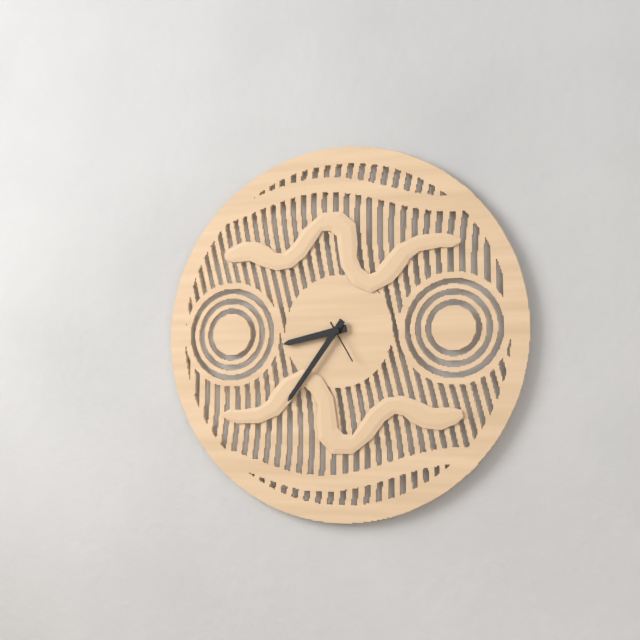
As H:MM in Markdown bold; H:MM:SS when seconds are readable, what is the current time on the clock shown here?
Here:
**8:36**
